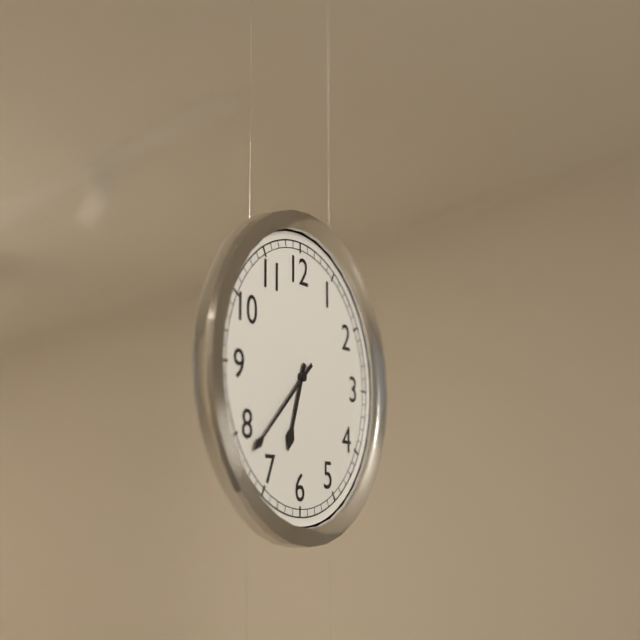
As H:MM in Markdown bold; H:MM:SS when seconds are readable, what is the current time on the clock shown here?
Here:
**6:38**
